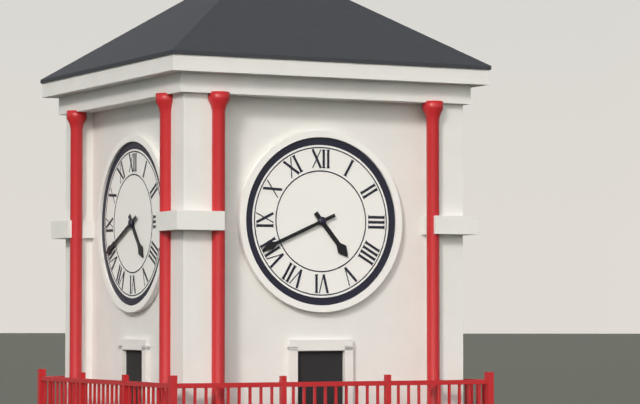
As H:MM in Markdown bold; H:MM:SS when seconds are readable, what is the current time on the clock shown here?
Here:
**4:41**
